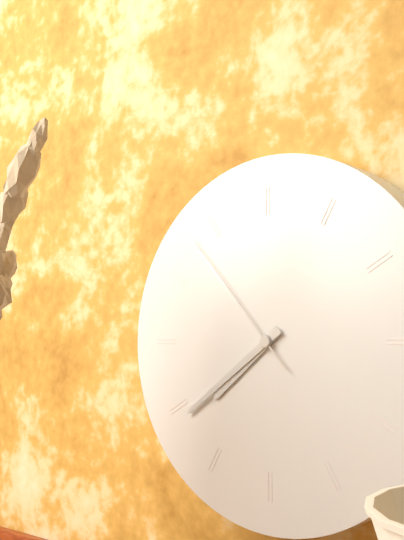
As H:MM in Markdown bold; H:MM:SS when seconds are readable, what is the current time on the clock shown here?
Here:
**7:39:53**
